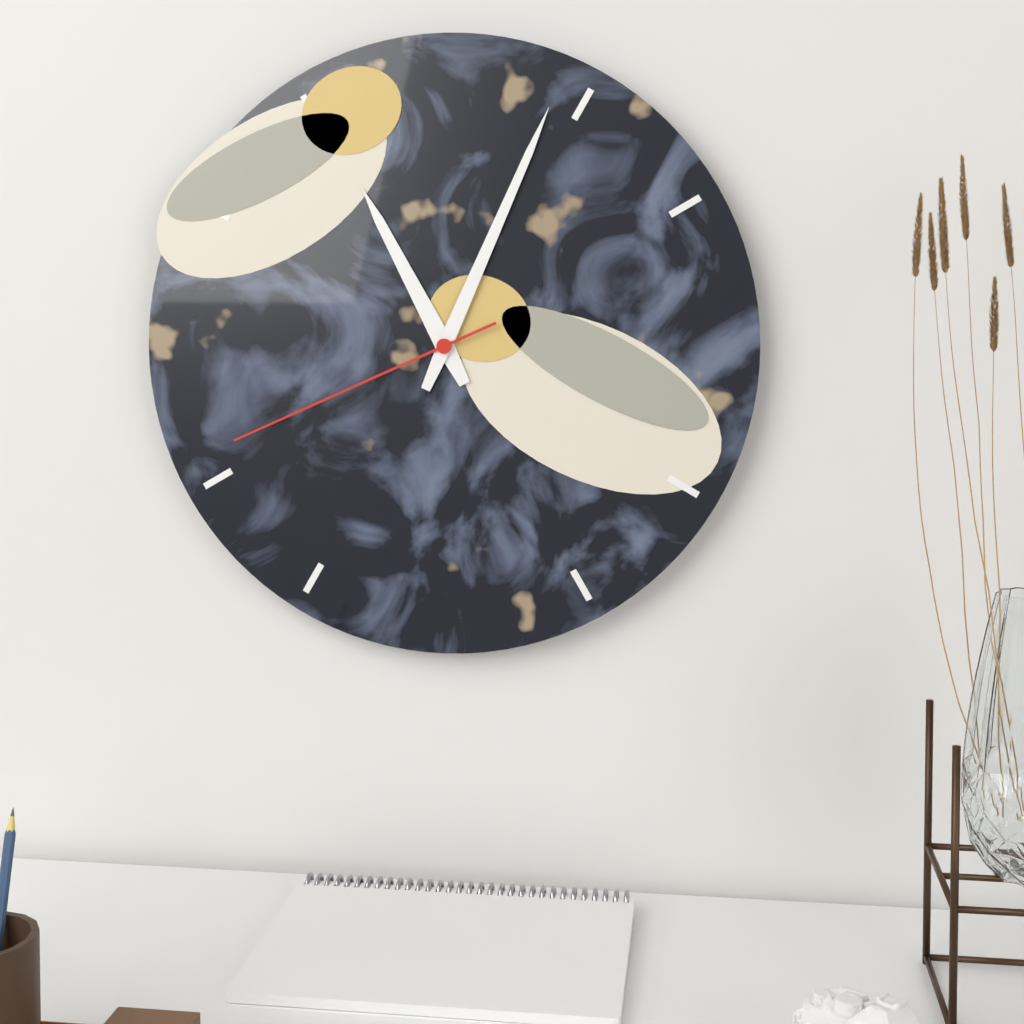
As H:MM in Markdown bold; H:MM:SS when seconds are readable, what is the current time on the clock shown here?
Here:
**11:04:41**
